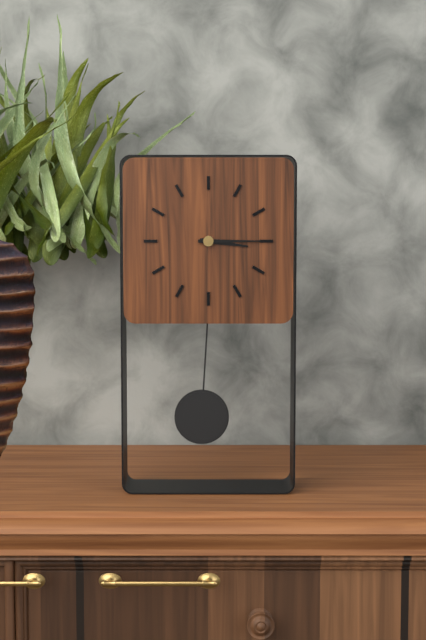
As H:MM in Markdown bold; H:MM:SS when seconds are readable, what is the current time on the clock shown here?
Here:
**3:15**
